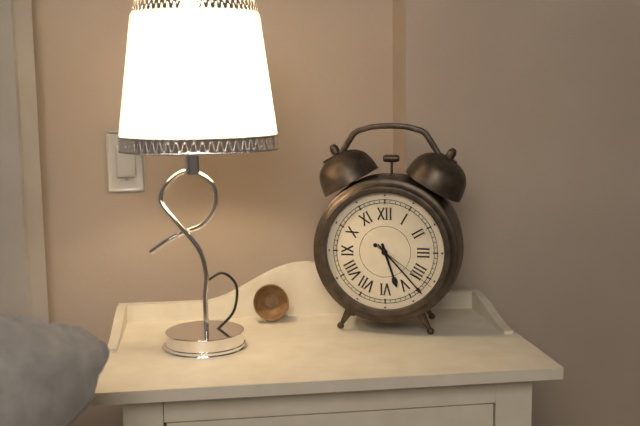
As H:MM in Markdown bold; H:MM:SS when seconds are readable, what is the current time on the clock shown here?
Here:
**5:23:21**
